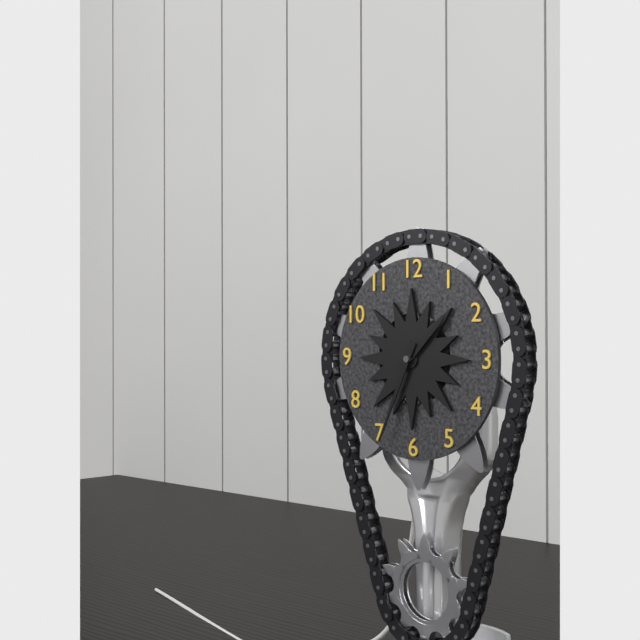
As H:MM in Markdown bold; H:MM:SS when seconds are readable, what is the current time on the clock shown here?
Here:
**1:34**
